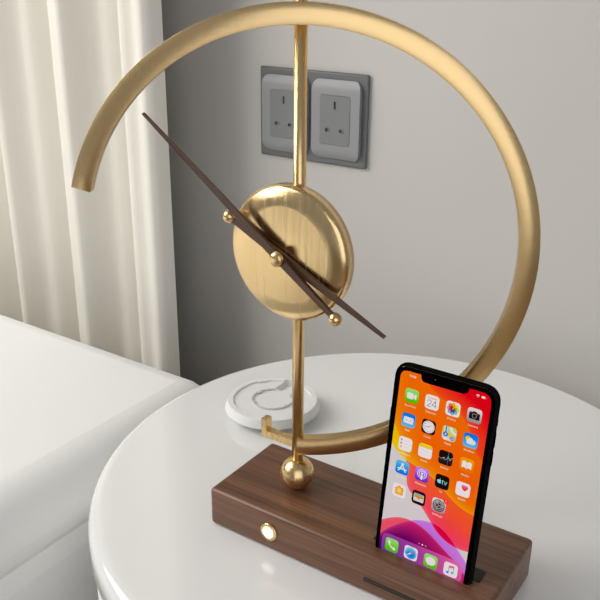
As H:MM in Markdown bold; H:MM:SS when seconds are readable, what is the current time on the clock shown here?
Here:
**3:51**
